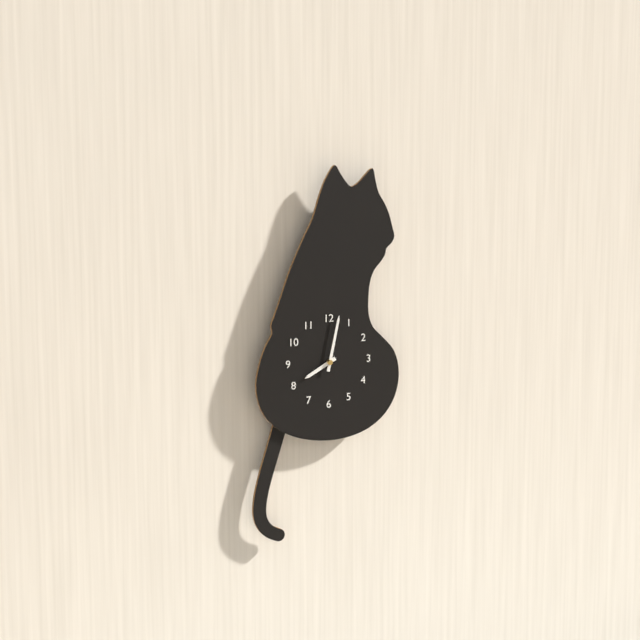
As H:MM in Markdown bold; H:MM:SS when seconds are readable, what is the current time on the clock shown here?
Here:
**8:02**
